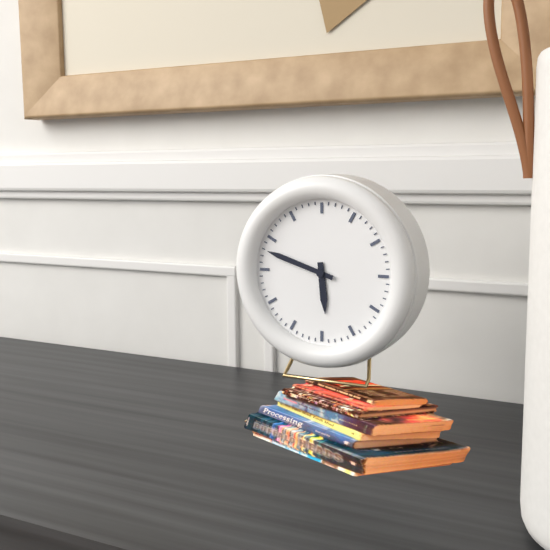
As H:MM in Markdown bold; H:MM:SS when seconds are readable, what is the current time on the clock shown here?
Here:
**5:48**
